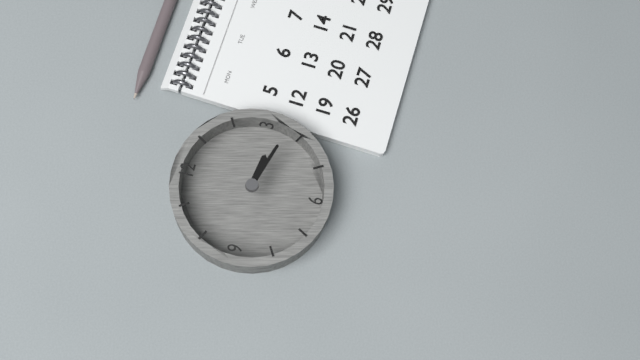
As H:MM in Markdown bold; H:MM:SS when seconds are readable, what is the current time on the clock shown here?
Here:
**3:18**
